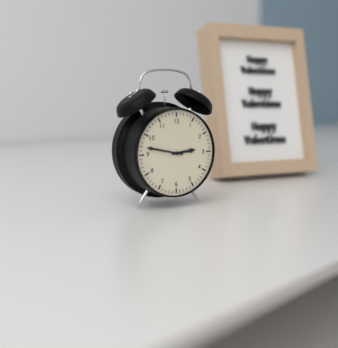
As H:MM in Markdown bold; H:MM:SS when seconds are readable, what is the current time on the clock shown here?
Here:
**2:47**
